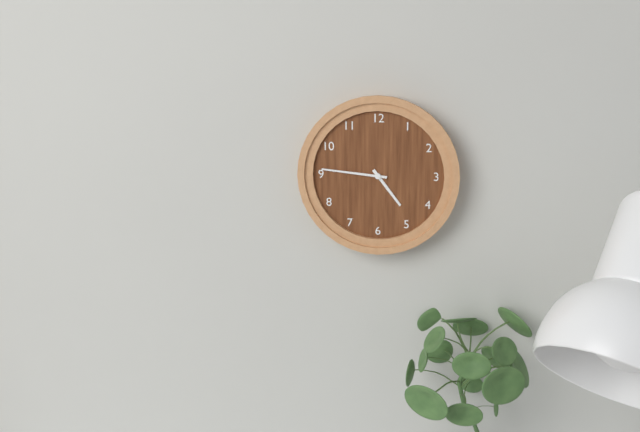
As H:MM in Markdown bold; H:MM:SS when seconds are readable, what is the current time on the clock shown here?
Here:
**4:46**
